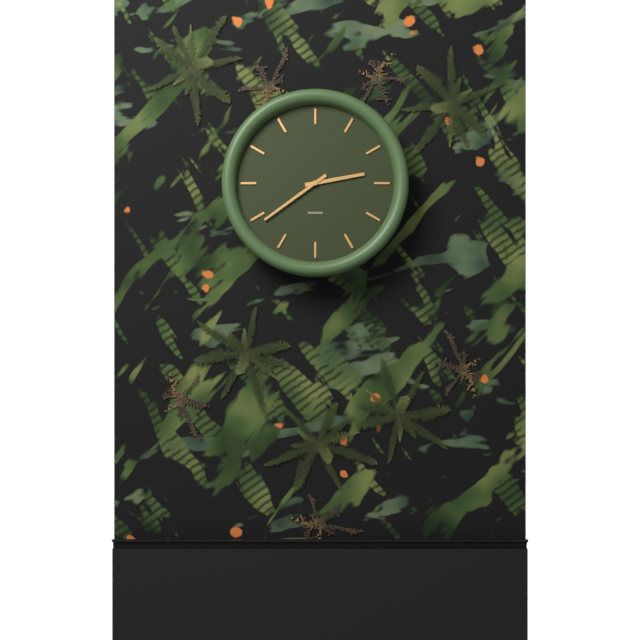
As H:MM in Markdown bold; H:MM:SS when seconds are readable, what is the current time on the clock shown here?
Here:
**2:39**
